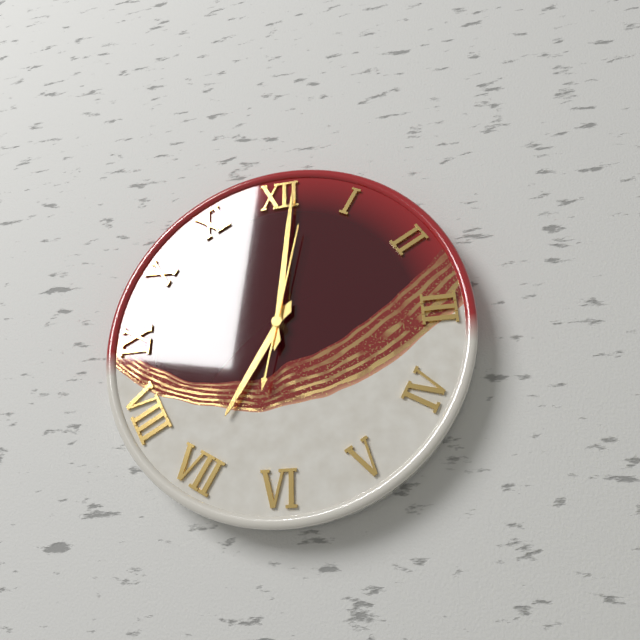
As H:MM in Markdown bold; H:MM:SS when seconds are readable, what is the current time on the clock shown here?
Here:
**7:01:02**
